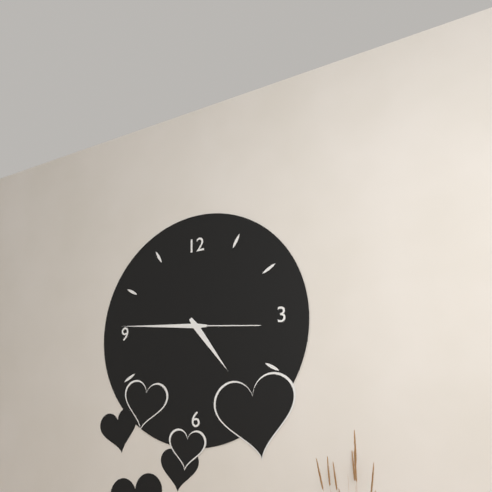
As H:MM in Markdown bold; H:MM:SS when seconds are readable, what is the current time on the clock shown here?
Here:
**4:46:16**
